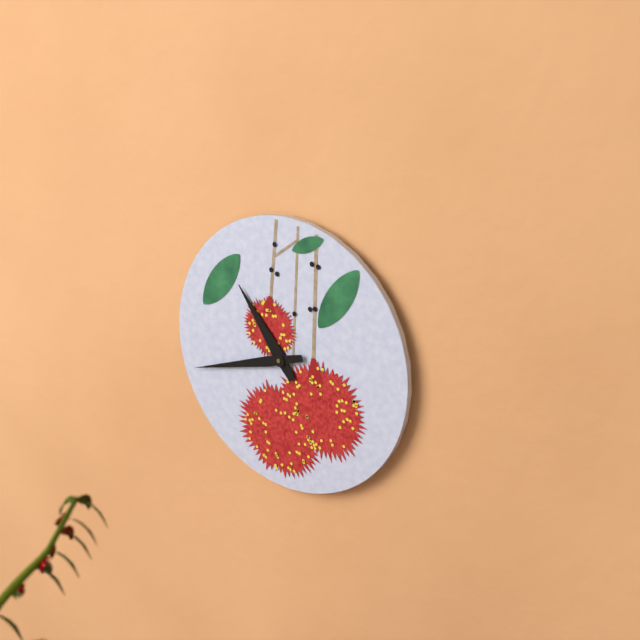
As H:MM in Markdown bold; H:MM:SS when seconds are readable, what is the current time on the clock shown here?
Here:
**10:42**
